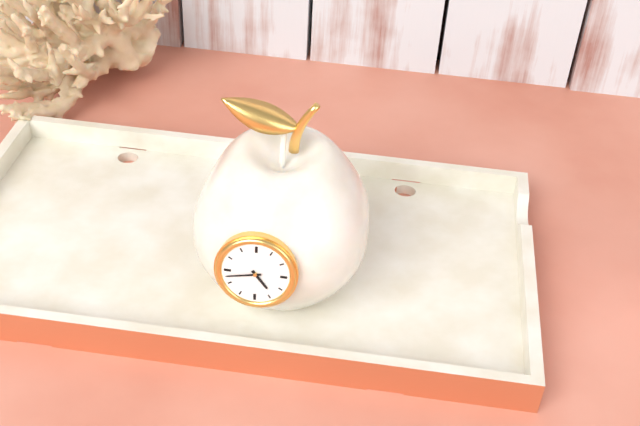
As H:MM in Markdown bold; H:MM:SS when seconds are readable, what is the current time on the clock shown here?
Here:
**4:43**
